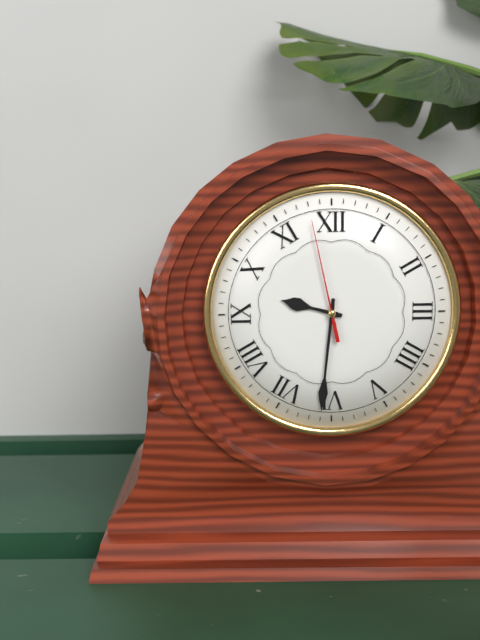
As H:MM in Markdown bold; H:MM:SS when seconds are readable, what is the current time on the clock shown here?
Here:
**9:31:58**
